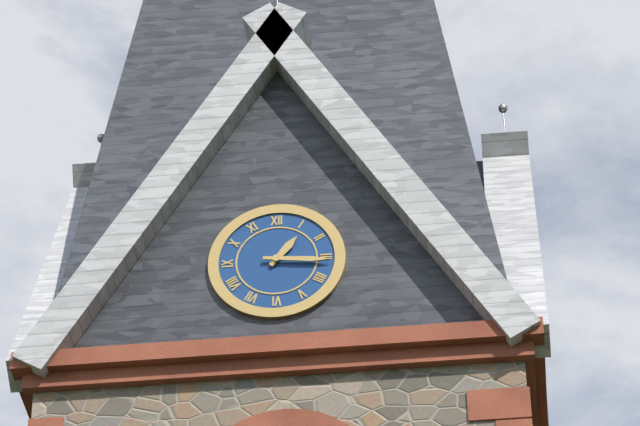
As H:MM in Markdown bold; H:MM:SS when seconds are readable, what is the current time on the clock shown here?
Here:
**1:16**
